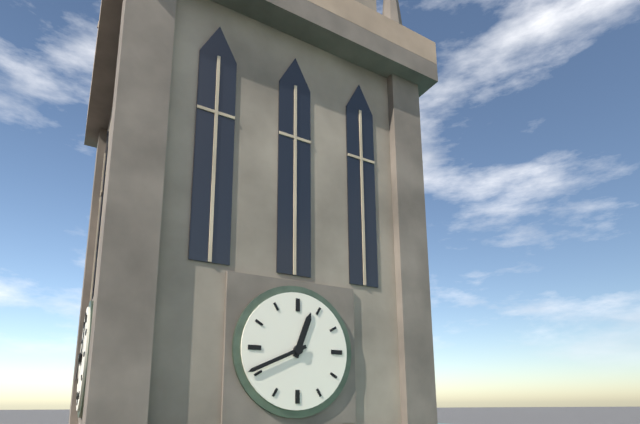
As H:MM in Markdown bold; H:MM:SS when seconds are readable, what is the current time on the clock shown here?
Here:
**12:41**
